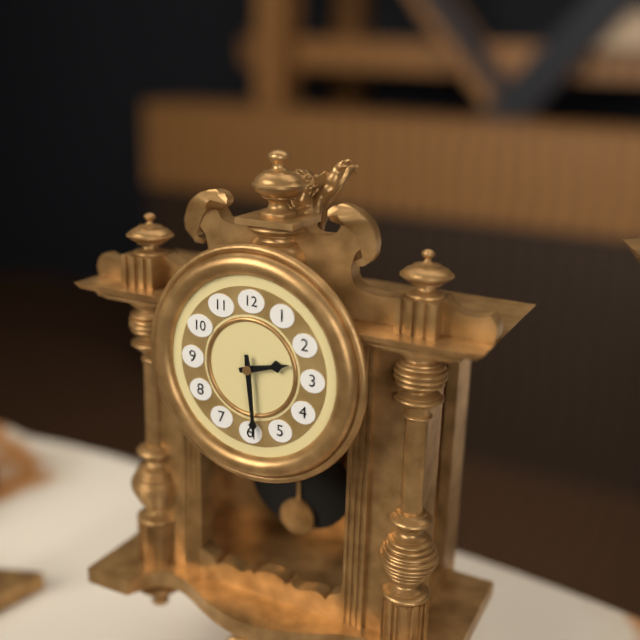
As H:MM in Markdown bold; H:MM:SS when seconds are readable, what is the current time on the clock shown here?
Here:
**2:29**
